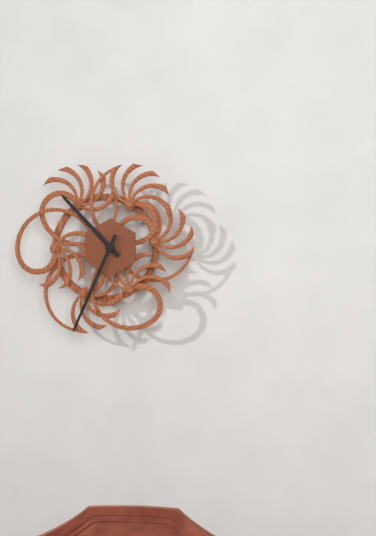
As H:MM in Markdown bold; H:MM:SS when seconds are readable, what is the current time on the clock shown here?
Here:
**10:34**
